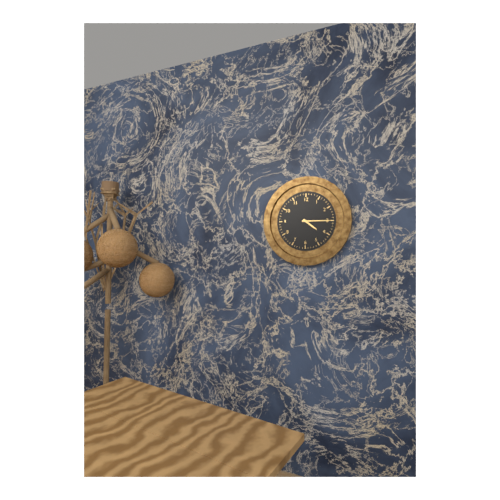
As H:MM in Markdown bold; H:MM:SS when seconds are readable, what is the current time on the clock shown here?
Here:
**4:15**
